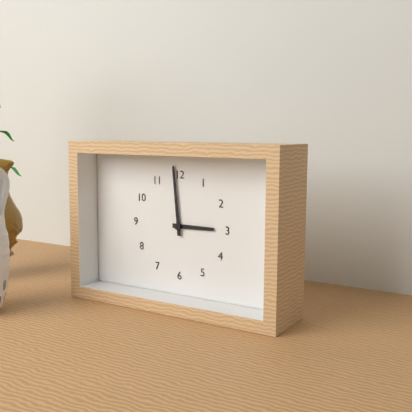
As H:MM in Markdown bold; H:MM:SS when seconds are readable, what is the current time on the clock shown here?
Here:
**2:59**
